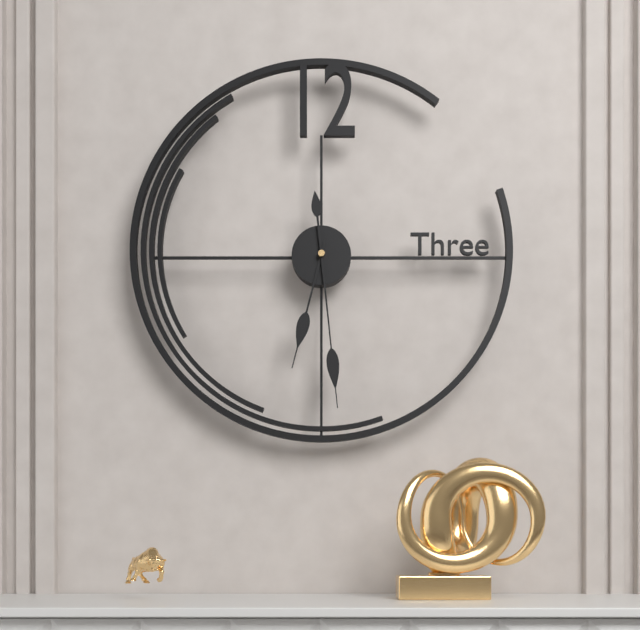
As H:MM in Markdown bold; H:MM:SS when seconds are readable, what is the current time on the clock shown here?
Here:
**6:29**
